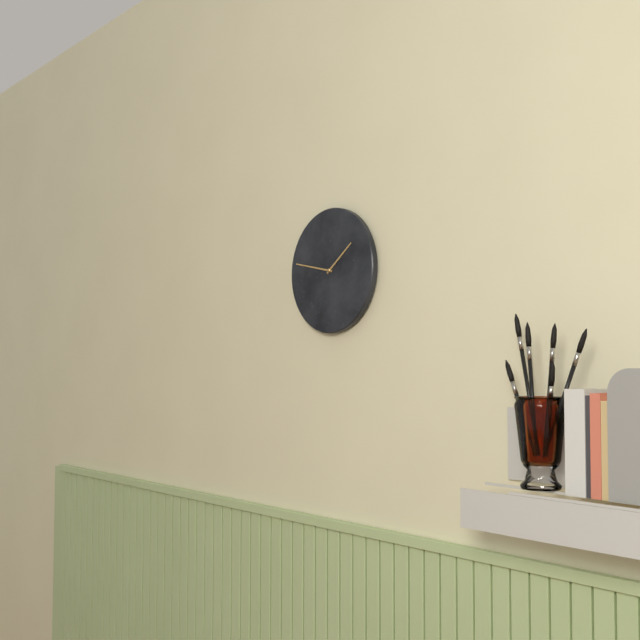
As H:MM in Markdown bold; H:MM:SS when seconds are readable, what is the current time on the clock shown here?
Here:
**1:47**
